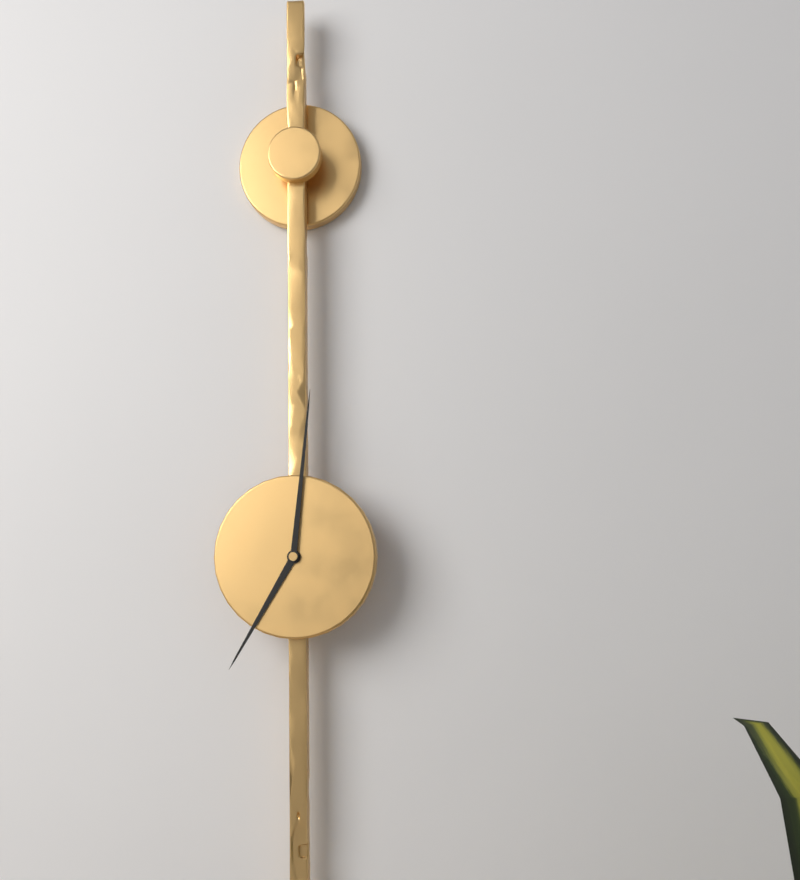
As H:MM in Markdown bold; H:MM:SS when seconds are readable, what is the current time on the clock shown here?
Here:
**7:01**
